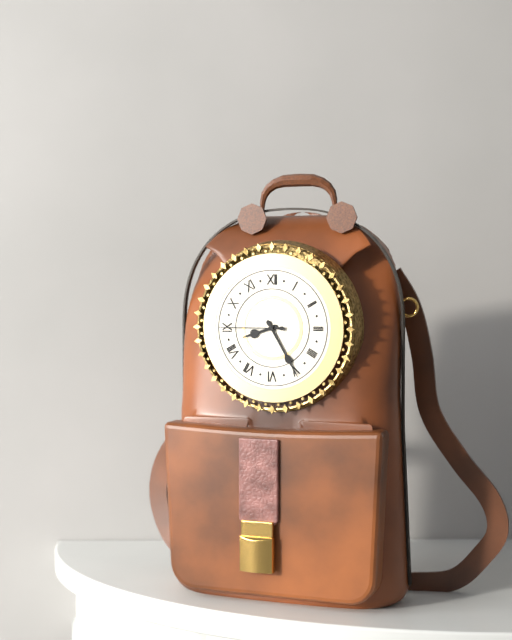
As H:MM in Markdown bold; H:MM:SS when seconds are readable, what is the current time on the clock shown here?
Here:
**8:25:45**
